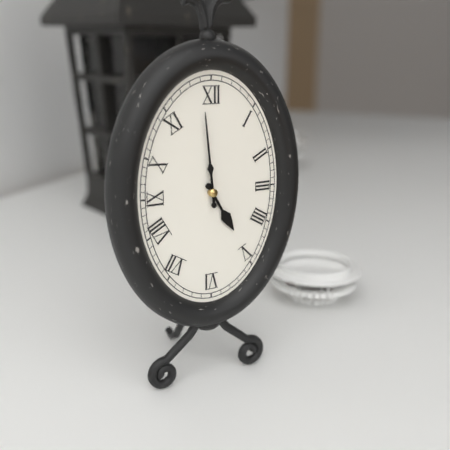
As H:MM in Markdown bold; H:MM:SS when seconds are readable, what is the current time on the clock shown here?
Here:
**4:59**
